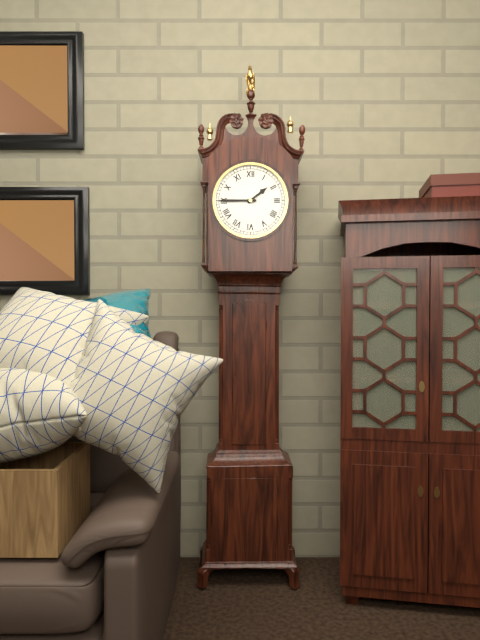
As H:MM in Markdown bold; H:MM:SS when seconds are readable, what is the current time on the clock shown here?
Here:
**1:45**
